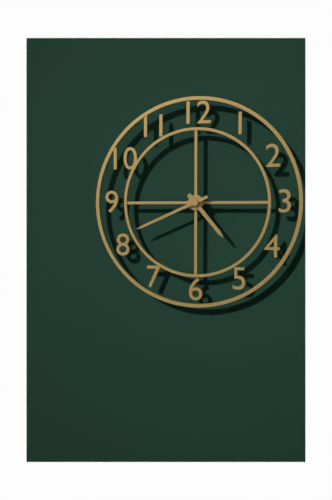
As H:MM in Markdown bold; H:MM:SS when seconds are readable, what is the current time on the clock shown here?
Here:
**4:41**
